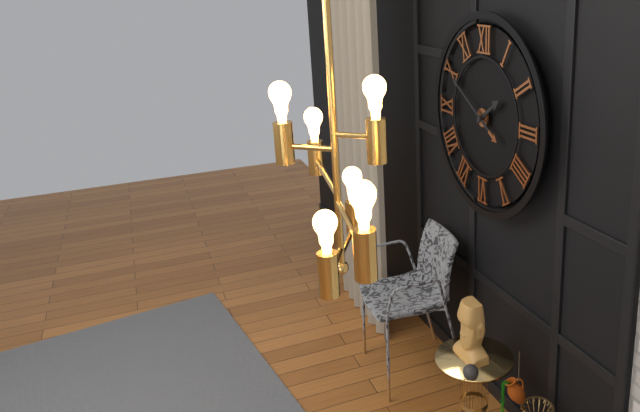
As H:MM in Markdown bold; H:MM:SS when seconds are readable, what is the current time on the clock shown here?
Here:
**1:50**
